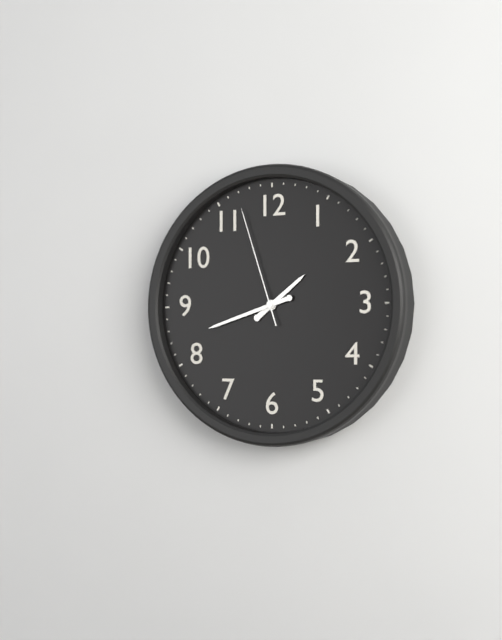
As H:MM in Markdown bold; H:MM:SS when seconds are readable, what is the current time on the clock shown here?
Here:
**1:42:57**
